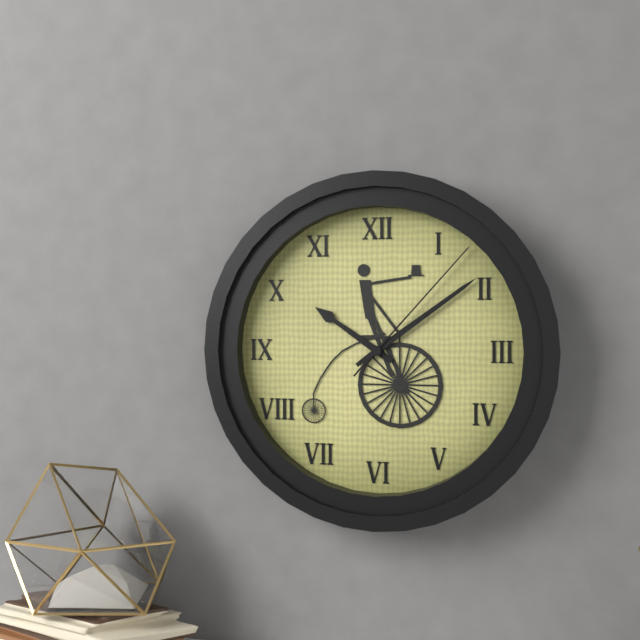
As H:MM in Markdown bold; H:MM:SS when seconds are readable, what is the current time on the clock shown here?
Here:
**10:09:07**
